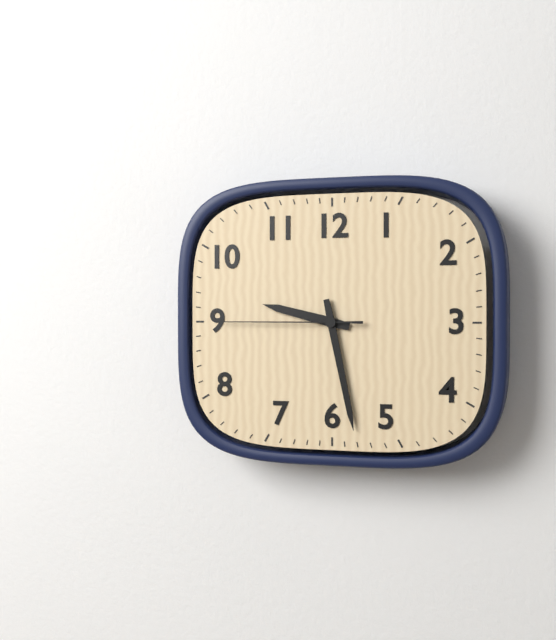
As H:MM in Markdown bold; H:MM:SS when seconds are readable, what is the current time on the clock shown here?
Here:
**9:28:45**
